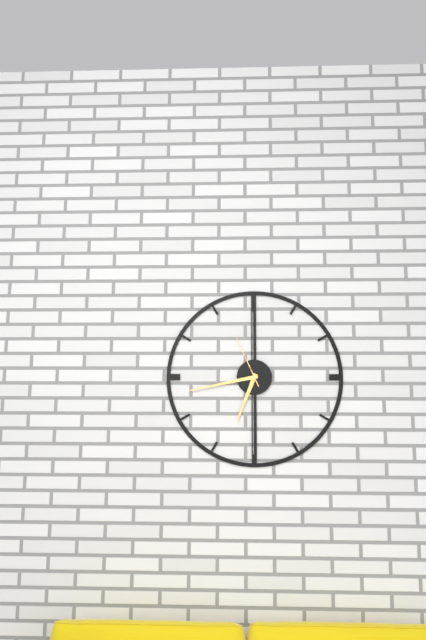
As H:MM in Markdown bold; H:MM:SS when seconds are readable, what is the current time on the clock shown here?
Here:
**6:43:56**
